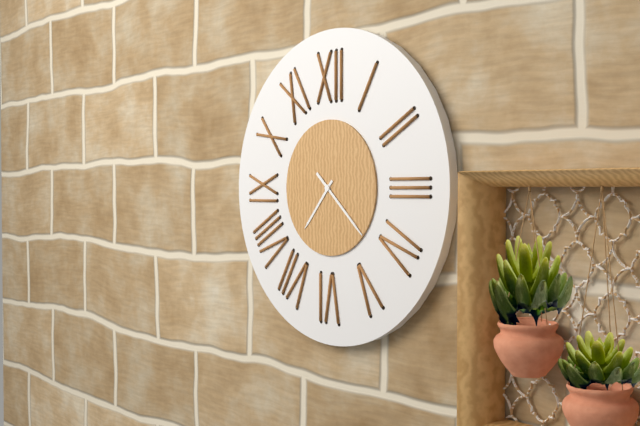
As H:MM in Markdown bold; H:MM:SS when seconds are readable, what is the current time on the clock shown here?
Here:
**7:22**
